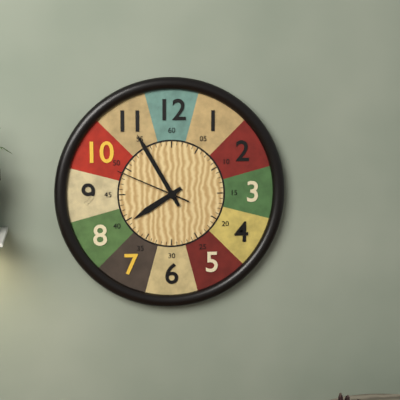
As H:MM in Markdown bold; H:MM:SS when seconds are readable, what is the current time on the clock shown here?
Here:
**7:55:49**
